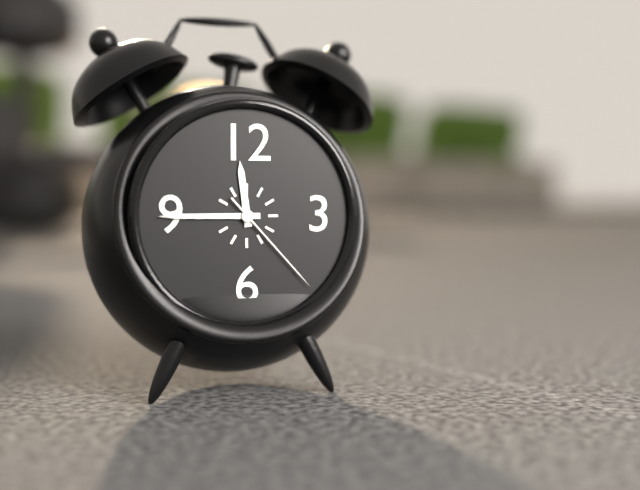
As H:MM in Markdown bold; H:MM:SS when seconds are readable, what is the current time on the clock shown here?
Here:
**11:45:23**
